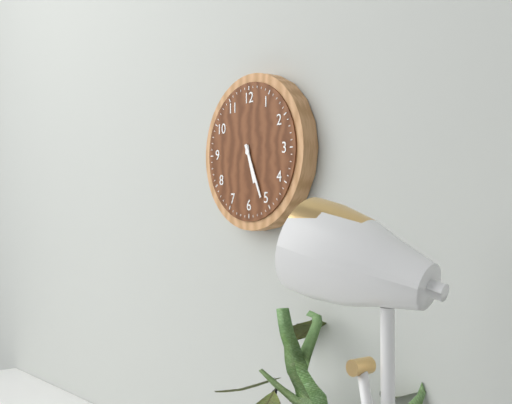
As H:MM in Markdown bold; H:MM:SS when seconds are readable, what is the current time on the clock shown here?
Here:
**5:26**
